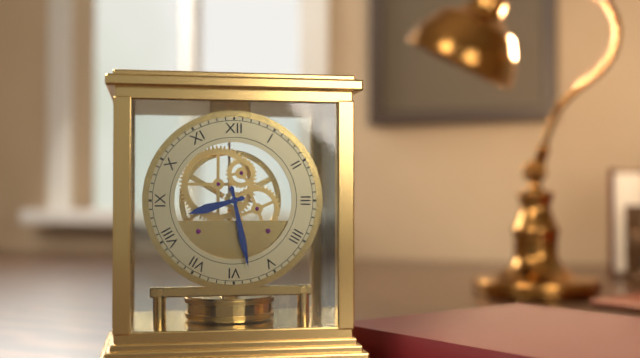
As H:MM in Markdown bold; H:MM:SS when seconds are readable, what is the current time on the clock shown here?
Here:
**8:28**
